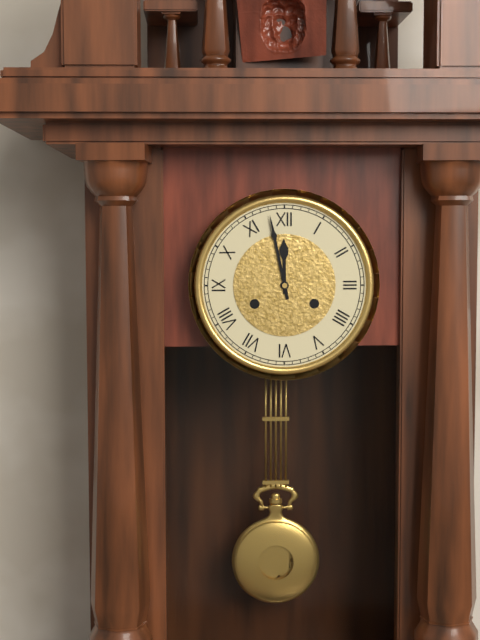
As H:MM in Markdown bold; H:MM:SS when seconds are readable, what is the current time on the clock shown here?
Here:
**11:58**
